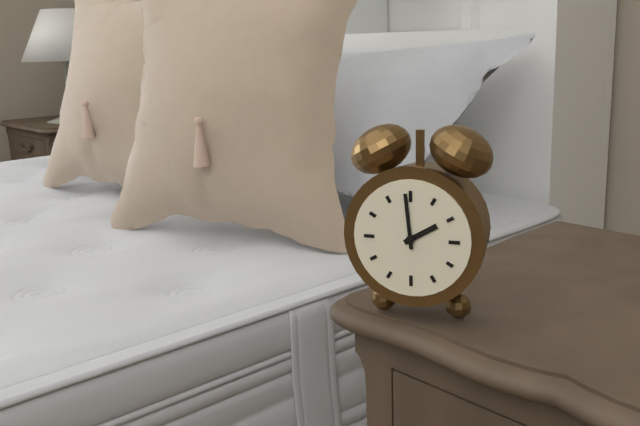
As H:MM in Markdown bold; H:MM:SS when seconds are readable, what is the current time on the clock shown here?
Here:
**1:59**
